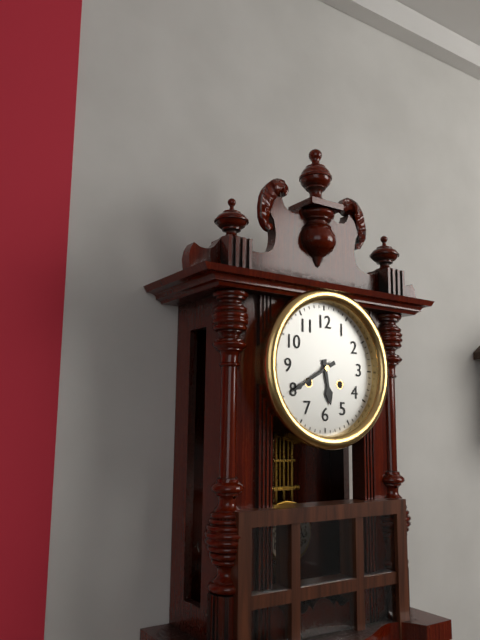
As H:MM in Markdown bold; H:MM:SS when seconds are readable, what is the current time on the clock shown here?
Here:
**5:40**
